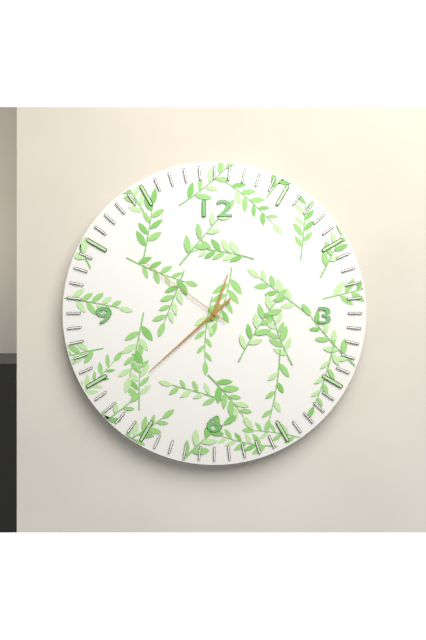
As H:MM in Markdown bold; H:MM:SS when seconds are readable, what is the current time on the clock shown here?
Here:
**12:38:51**
